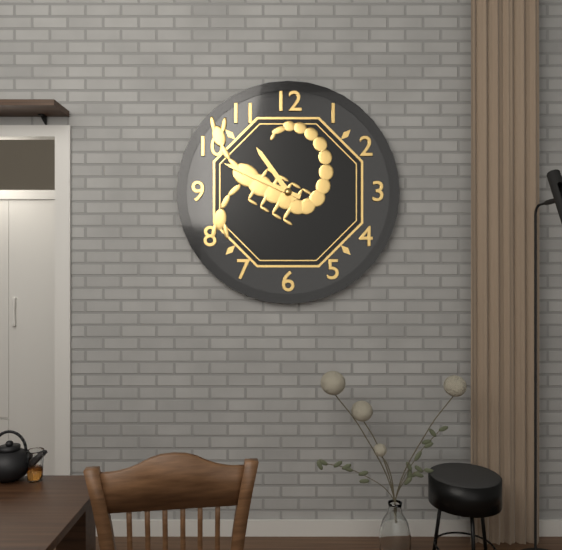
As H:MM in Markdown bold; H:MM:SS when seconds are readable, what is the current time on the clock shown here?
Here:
**10:49**
